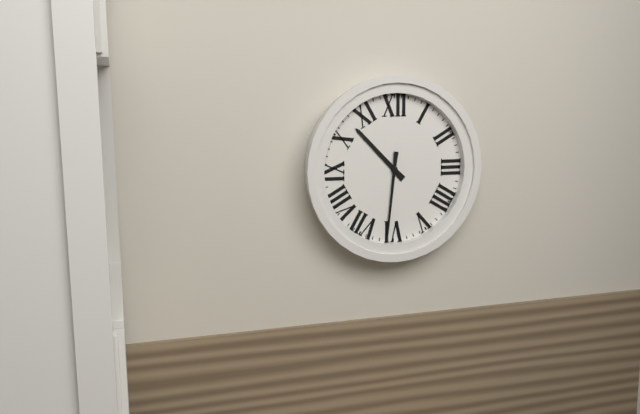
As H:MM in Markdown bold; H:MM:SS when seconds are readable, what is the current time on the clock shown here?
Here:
**10:31**
